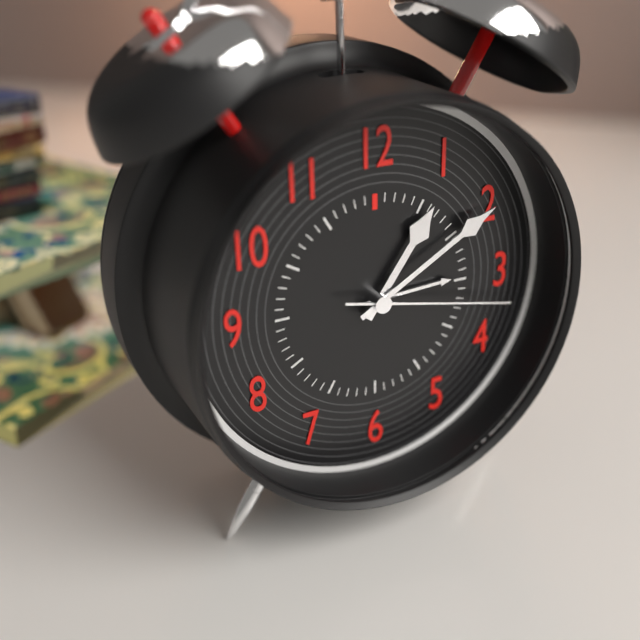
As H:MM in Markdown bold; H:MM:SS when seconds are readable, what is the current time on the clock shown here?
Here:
**1:10:17**
